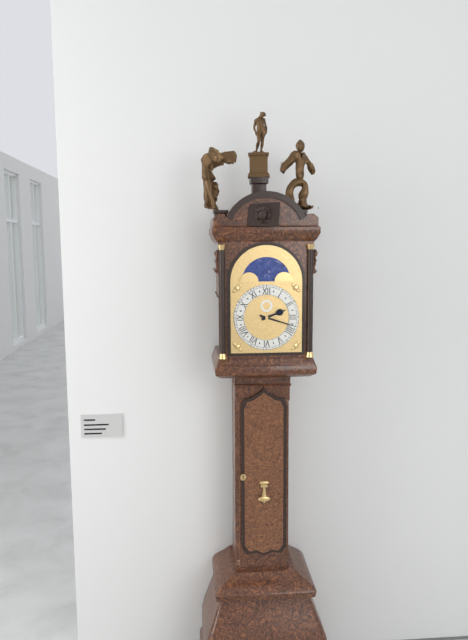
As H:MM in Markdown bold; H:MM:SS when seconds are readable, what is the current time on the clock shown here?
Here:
**2:18**
